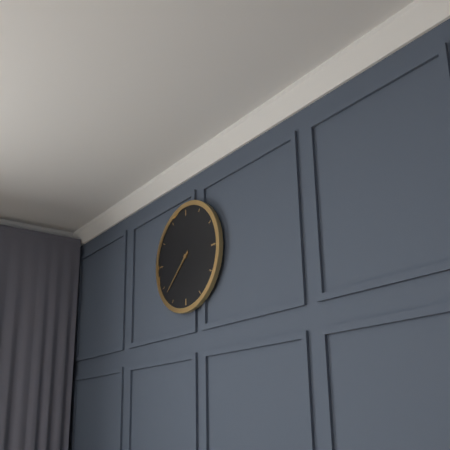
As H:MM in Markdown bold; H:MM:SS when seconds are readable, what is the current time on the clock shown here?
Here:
**7:38**
